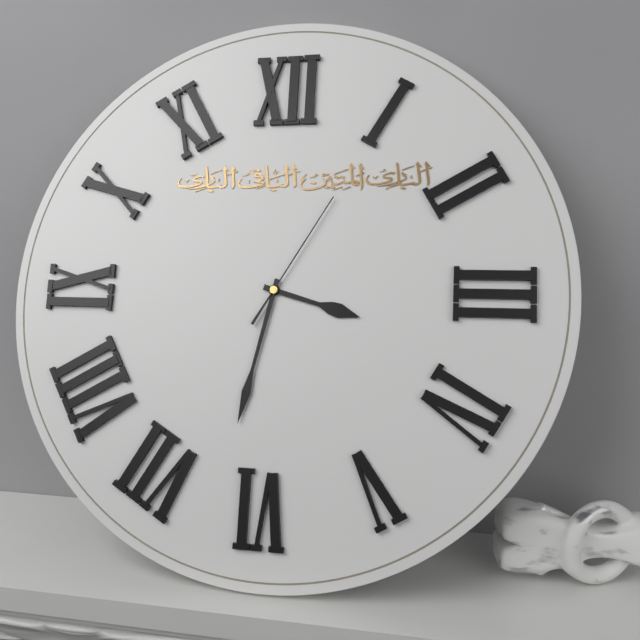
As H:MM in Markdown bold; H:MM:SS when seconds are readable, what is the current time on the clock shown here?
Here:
**3:32:05**
